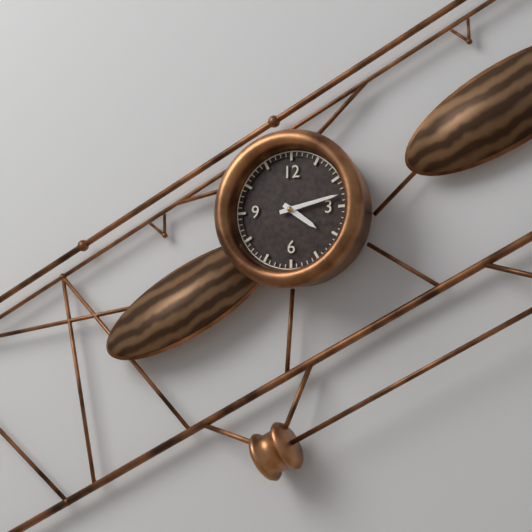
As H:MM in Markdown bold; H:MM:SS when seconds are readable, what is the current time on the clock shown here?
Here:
**4:13**
